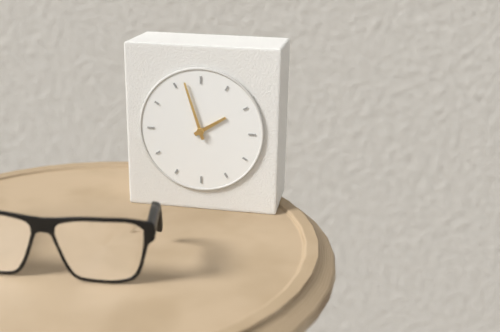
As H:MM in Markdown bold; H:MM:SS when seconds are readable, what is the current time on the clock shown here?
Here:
**1:57**
